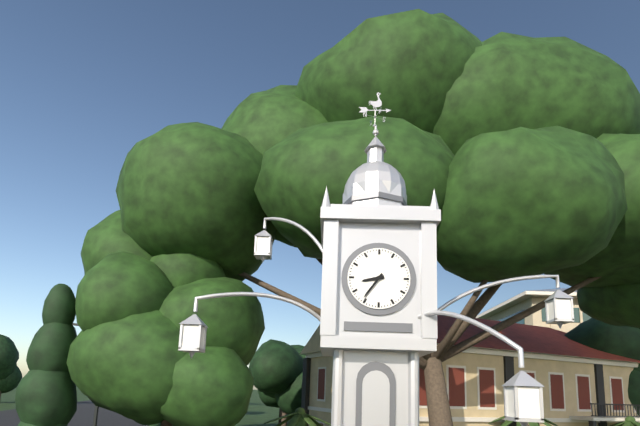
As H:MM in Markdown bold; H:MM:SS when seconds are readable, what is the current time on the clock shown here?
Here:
**8:36**
